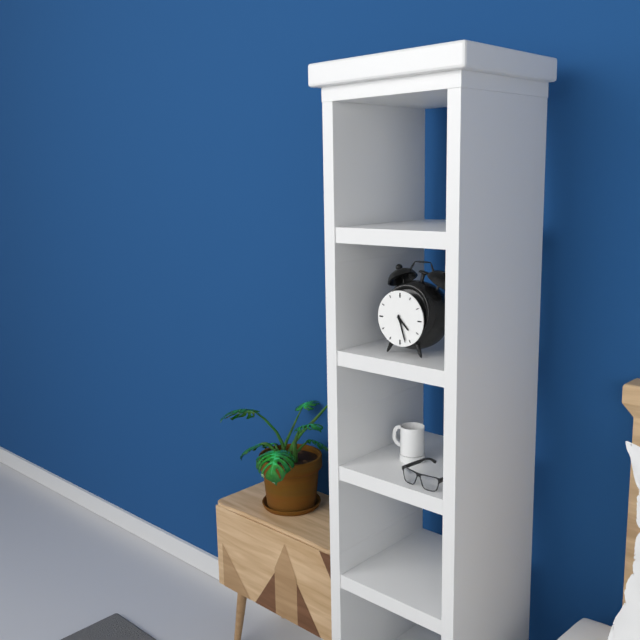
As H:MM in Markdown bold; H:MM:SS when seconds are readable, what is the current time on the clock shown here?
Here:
**4:27**
